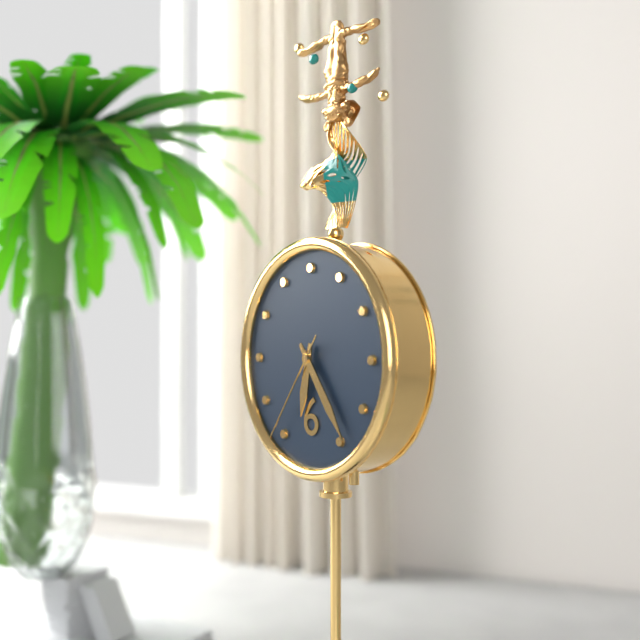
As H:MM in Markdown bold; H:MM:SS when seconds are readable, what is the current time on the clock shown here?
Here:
**6:24:36**
